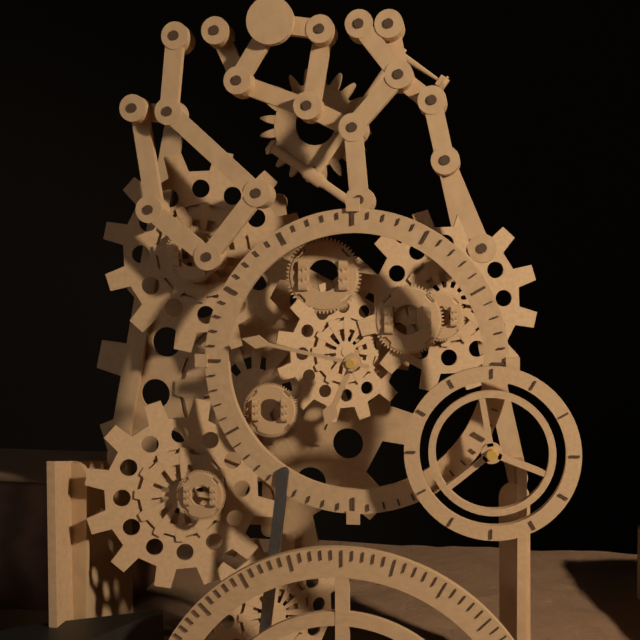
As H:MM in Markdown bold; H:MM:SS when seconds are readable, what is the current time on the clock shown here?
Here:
**6:47**
